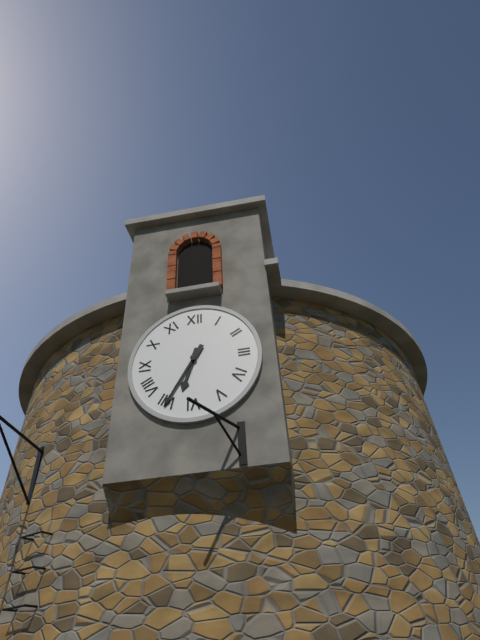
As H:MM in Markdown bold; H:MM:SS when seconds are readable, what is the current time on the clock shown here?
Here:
**6:35**
